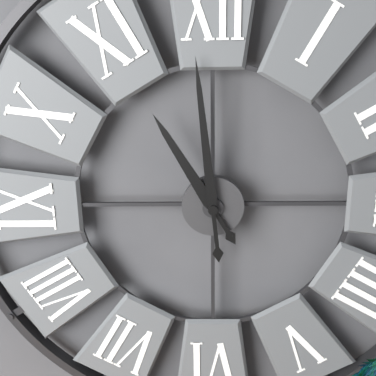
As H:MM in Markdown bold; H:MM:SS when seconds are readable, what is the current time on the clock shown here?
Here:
**10:59**
